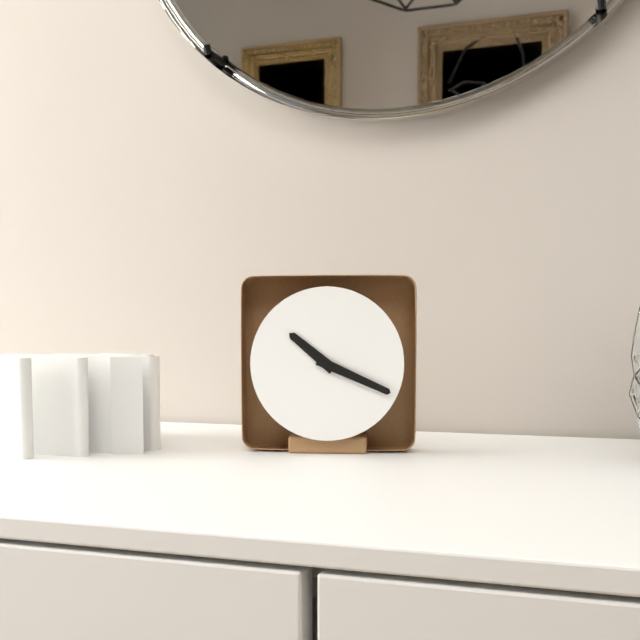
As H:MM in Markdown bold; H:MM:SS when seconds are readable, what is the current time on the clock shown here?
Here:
**10:19**
